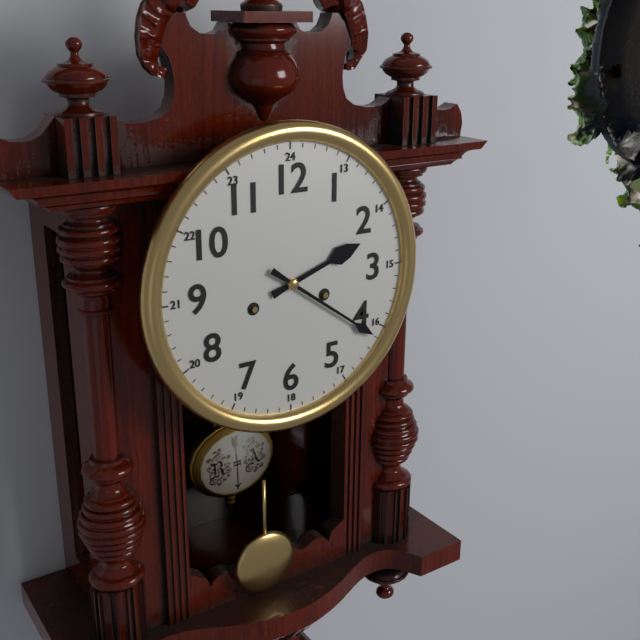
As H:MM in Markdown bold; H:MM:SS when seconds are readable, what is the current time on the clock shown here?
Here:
**2:21**
